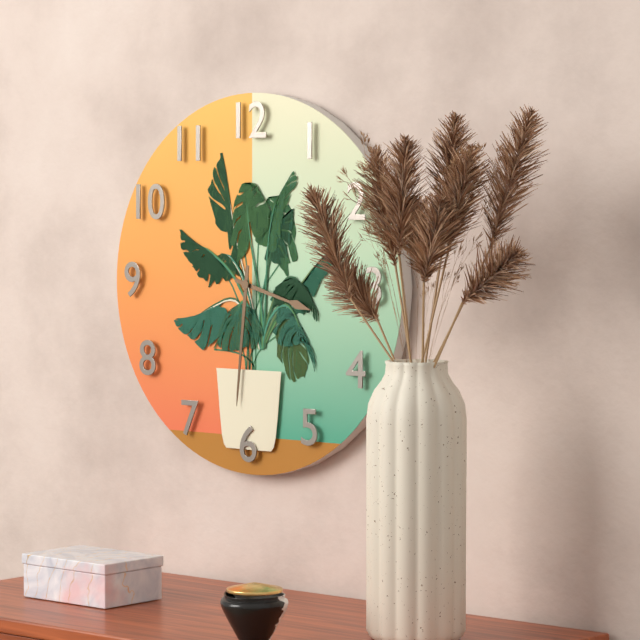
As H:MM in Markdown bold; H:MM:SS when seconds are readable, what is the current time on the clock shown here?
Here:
**3:31**
